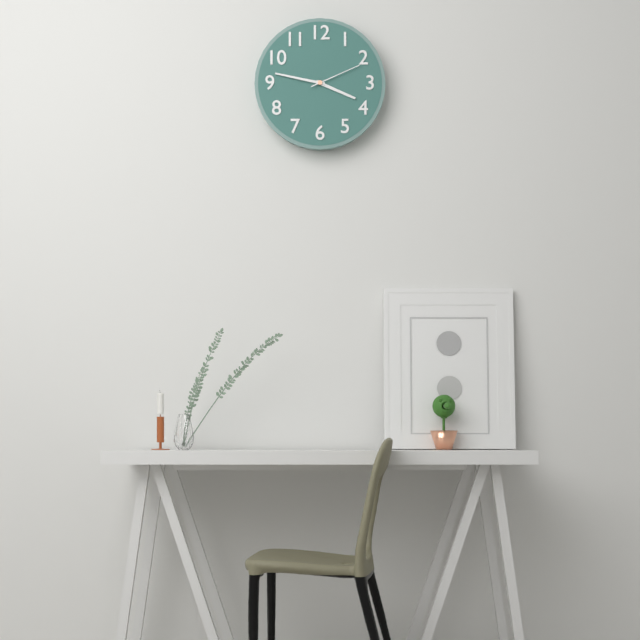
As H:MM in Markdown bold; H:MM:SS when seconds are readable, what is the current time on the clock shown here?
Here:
**3:47:11**
